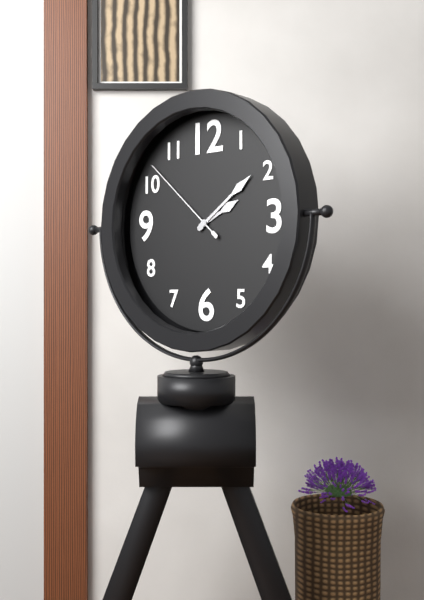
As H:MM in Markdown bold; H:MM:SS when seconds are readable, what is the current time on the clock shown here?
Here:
**2:09:52**
